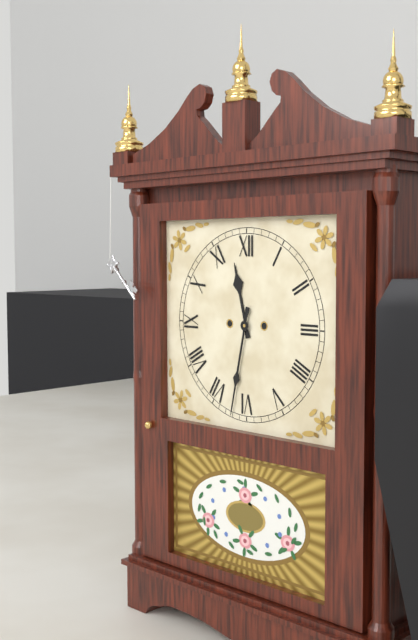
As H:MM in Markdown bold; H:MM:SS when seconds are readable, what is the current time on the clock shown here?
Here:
**11:32**
